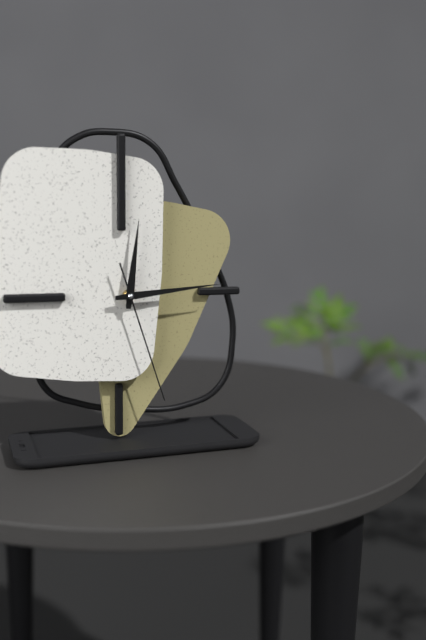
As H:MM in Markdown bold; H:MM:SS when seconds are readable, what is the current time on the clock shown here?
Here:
**12:14:27**
